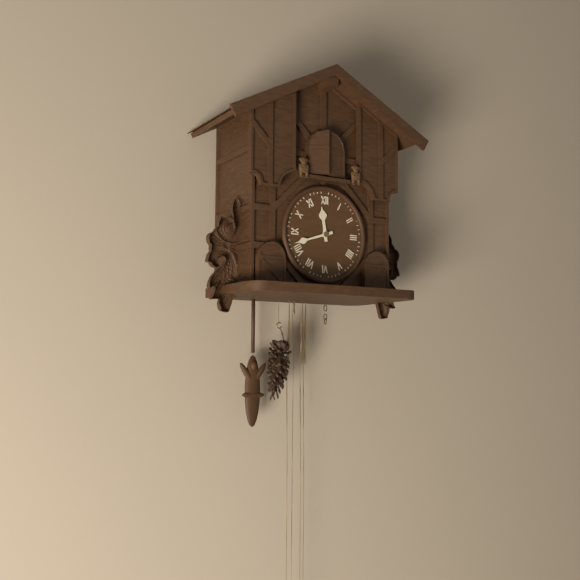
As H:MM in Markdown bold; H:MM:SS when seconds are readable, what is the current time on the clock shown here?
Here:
**11:42**
